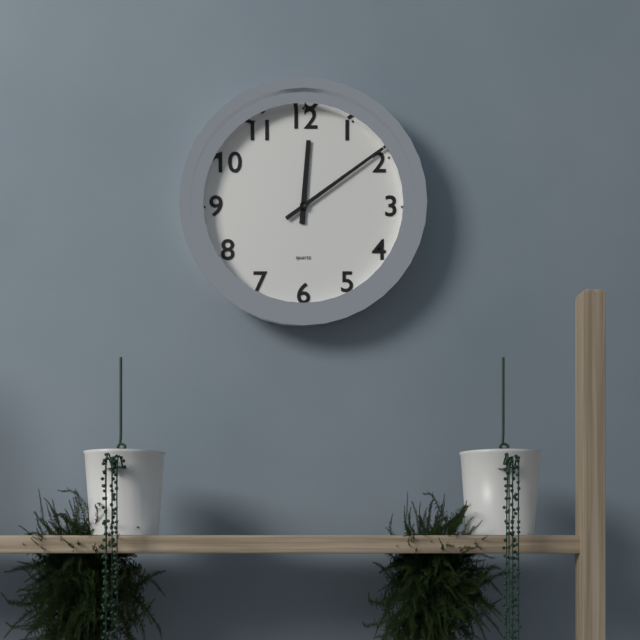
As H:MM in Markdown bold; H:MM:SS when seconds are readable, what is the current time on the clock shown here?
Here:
**12:09**
